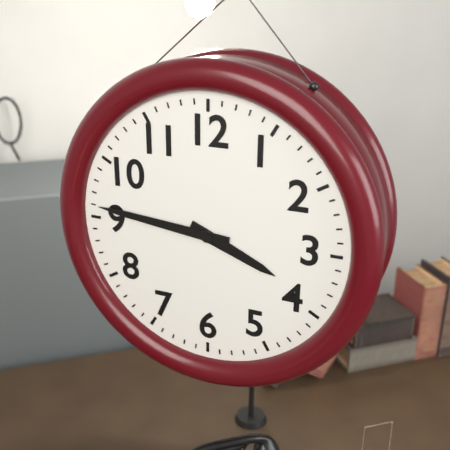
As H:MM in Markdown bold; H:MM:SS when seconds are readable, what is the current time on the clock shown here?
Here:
**3:46**
